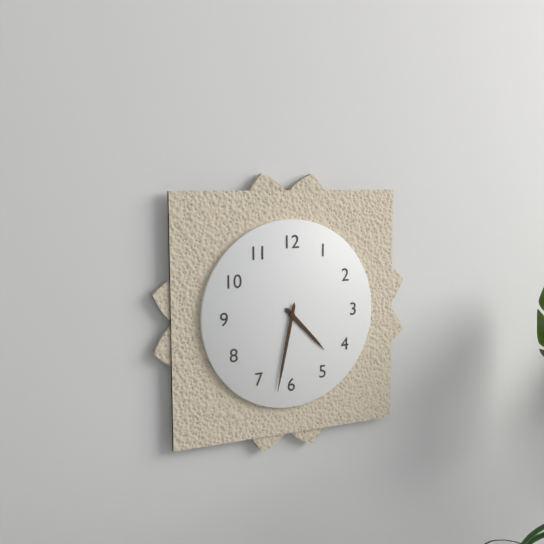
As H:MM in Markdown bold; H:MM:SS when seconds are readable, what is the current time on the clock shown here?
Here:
**4:32**
